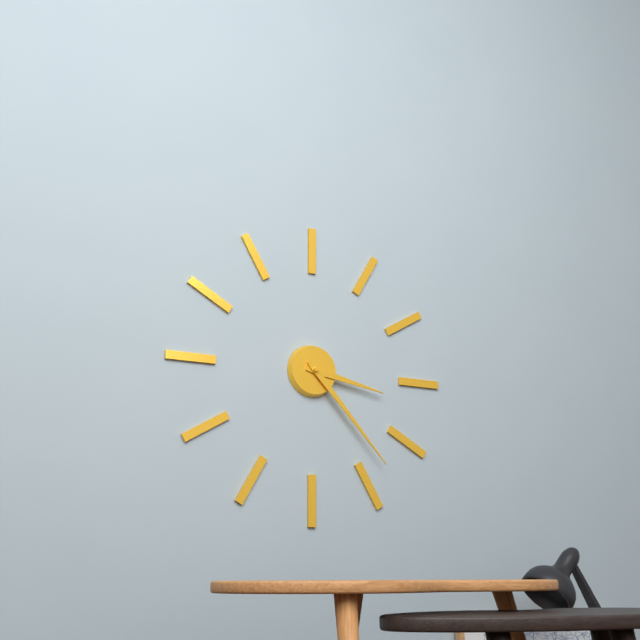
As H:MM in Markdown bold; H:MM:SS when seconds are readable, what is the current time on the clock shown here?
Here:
**3:23**
